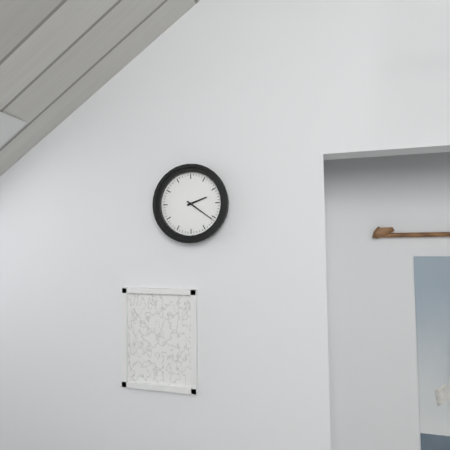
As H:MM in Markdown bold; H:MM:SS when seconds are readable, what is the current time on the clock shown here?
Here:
**2:21**
